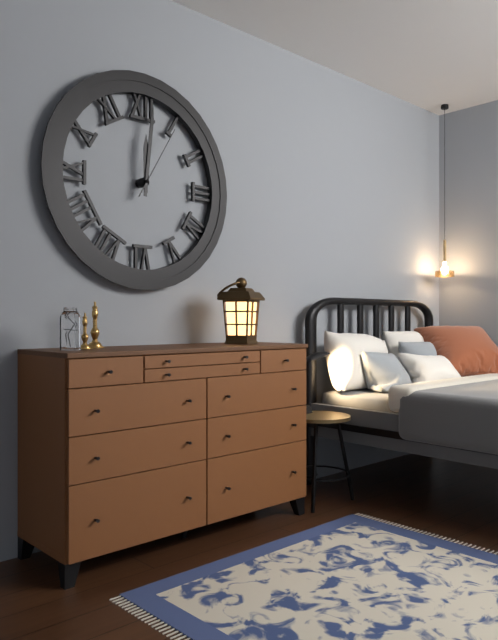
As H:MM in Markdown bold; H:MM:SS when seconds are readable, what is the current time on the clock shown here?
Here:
**12:01:05**
